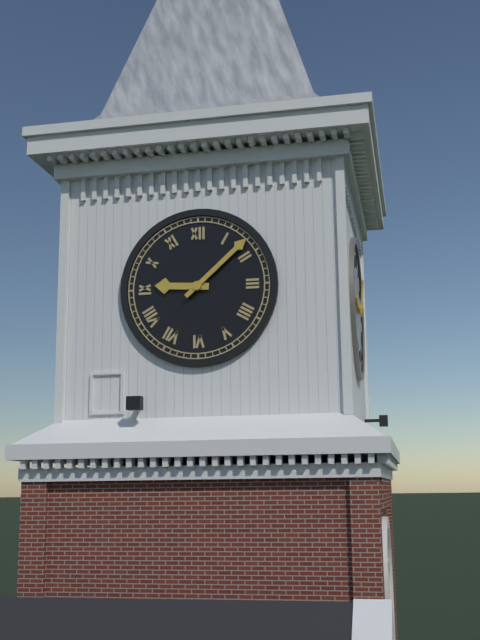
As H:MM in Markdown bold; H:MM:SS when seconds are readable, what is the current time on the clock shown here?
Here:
**9:08**
